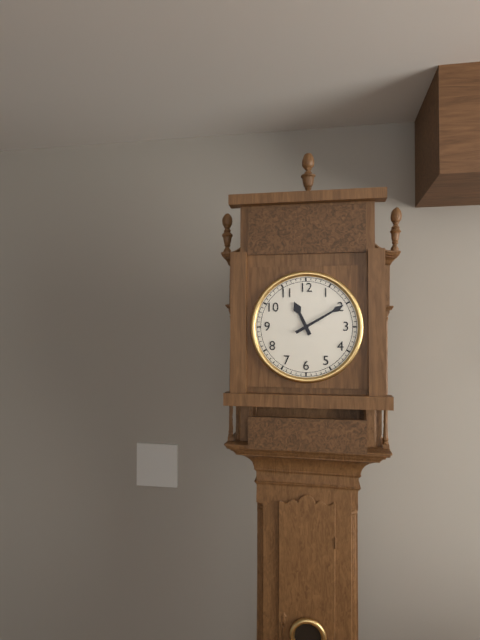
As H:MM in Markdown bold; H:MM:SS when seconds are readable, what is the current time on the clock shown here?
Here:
**11:10**
